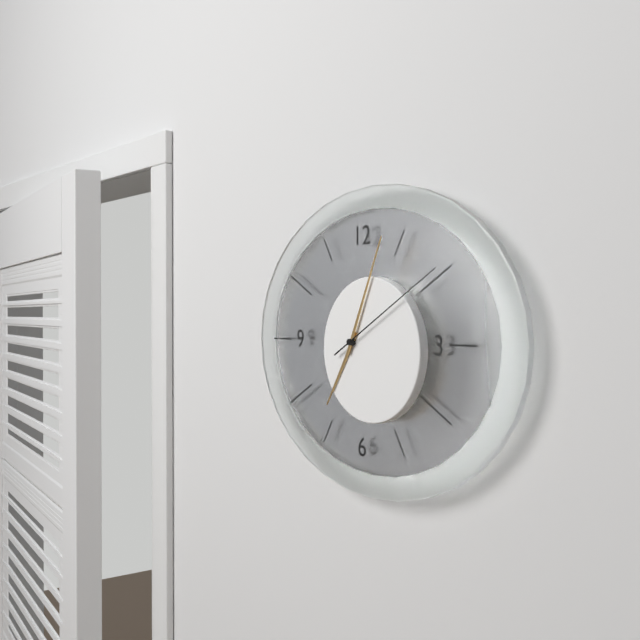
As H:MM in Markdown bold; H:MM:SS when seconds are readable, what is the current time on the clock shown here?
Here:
**7:04:10**
